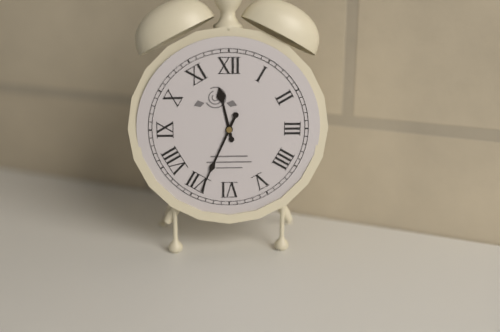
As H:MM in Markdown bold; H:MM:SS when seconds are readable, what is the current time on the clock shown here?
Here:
**11:34**
